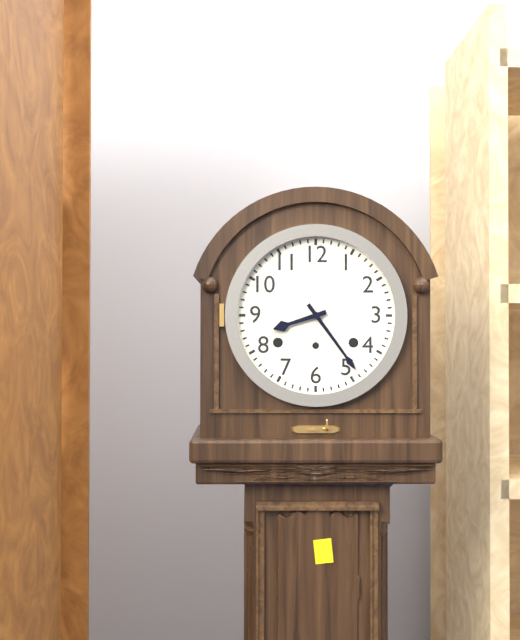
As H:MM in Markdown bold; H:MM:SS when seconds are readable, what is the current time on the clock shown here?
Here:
**8:24**
